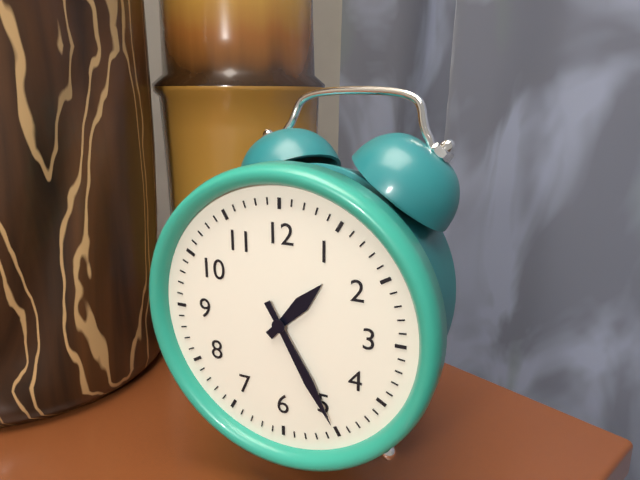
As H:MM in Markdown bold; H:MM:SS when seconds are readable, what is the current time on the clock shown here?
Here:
**1:25**
